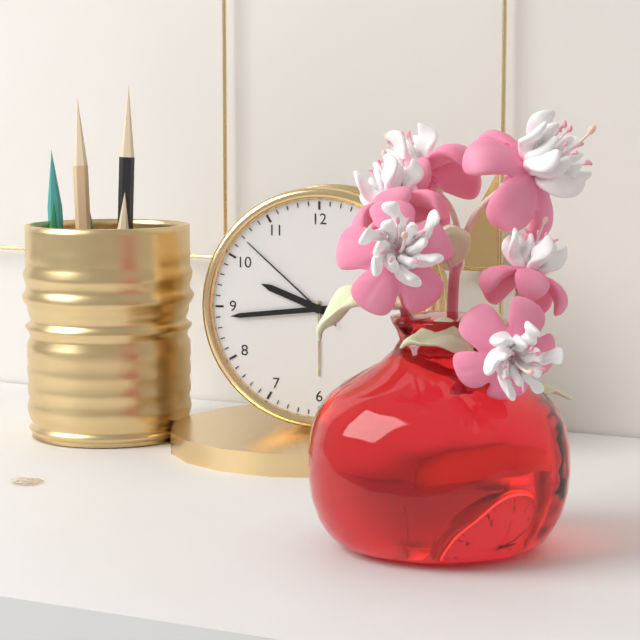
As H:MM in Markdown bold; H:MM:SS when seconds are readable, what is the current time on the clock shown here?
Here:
**9:44:52**
